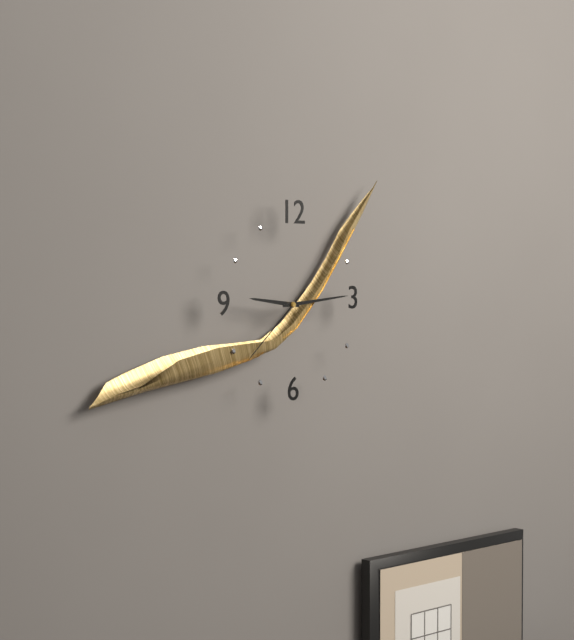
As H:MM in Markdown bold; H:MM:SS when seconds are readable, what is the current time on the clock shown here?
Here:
**9:14:38**
